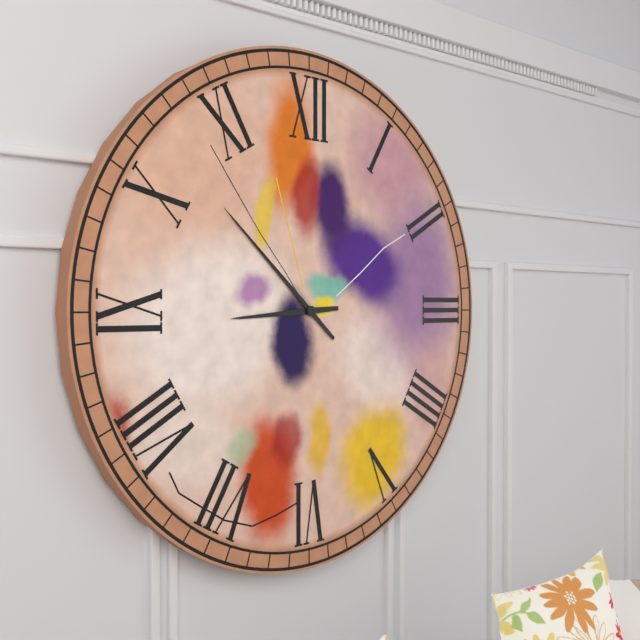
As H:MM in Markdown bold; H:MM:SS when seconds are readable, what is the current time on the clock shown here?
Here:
**8:52**
